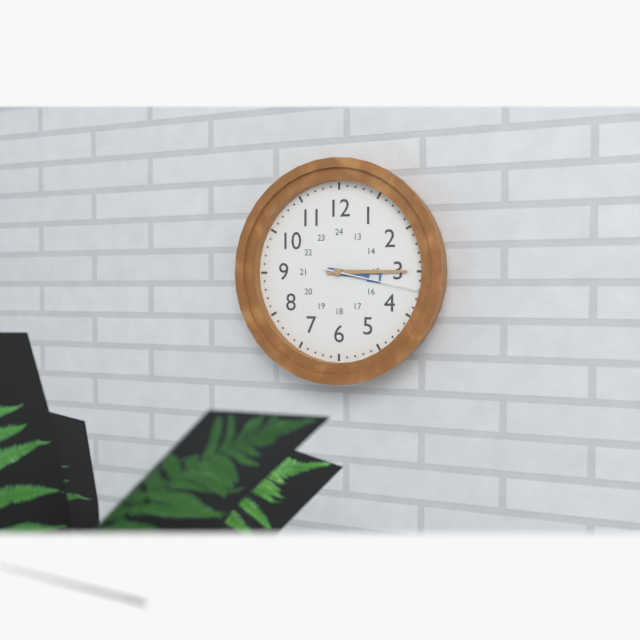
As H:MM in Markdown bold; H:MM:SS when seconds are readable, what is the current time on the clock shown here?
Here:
**3:15:17**
